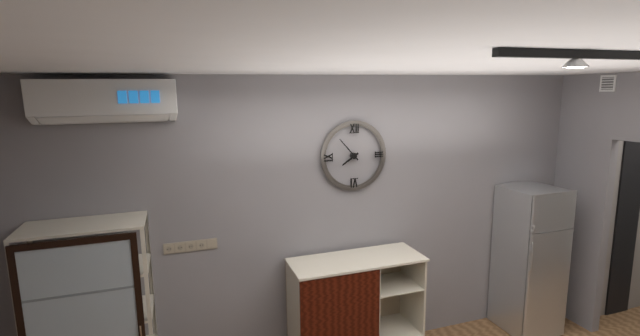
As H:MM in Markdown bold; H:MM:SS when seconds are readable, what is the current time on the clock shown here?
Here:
**7:53**
